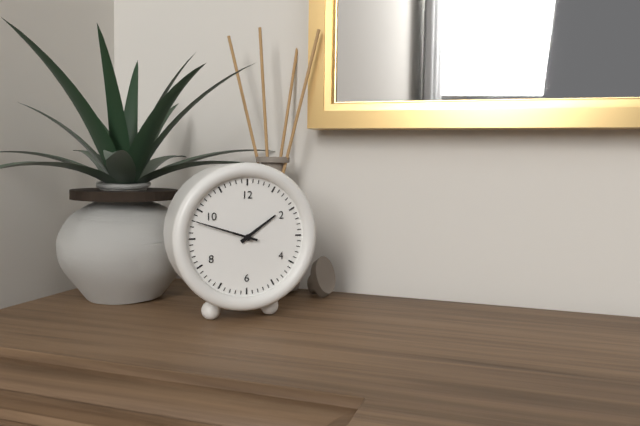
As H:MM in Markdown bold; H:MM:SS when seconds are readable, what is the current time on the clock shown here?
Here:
**1:48**
